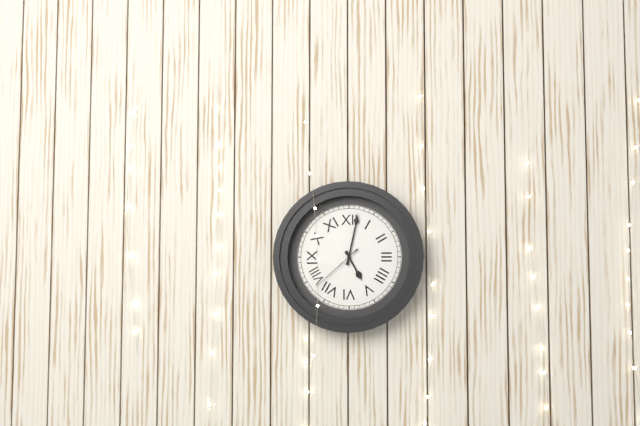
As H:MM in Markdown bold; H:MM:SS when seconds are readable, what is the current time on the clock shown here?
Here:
**5:02:38**
